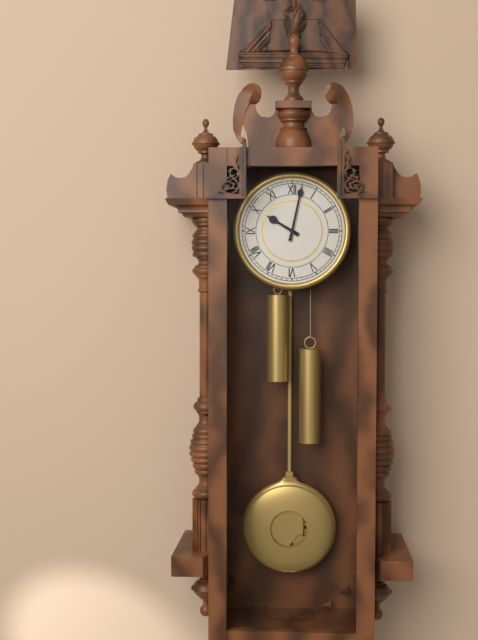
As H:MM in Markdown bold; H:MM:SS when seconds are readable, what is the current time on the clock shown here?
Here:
**10:02**
